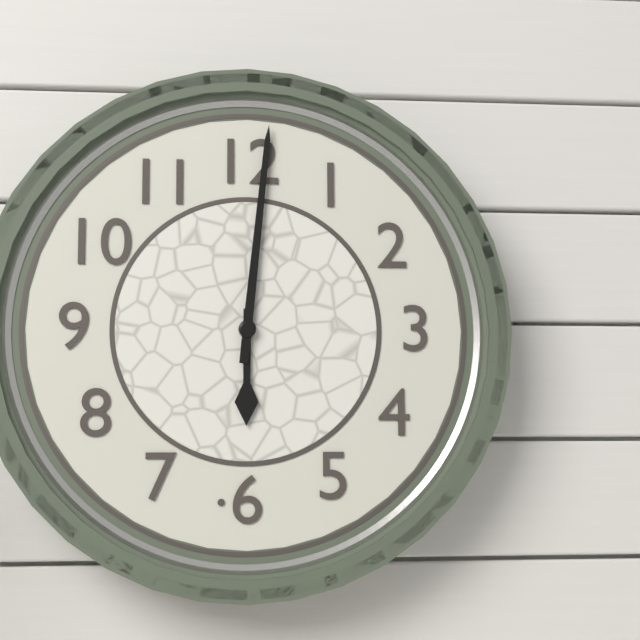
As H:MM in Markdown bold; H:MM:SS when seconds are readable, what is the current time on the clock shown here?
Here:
**6:01**
